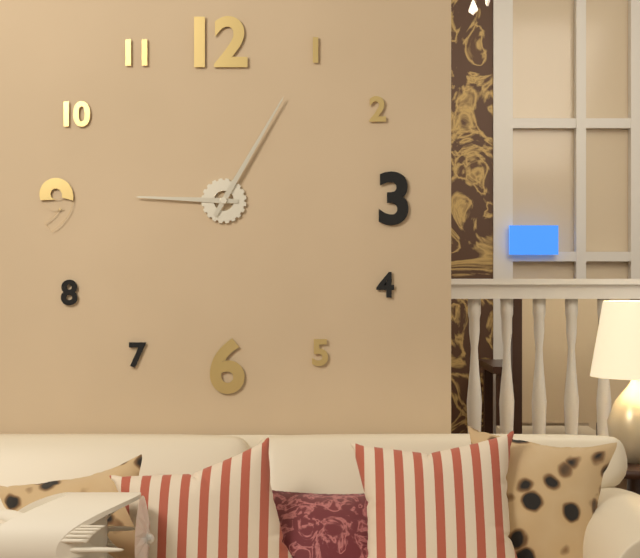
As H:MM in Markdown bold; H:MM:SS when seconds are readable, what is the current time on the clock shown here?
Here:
**9:05**
